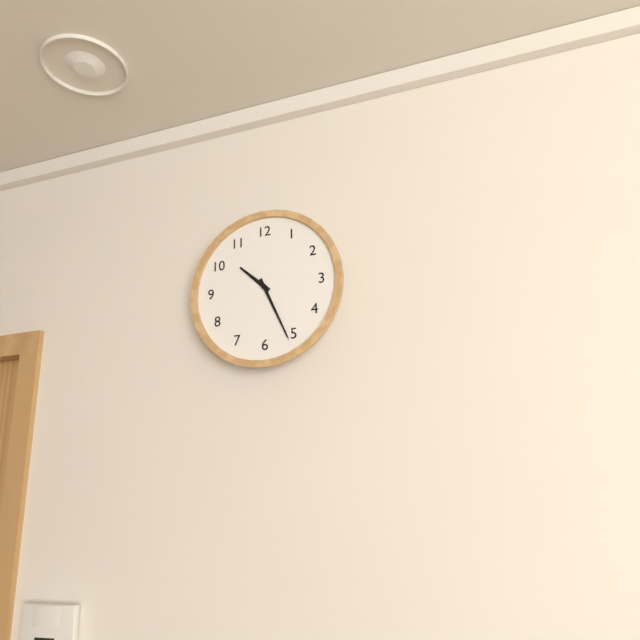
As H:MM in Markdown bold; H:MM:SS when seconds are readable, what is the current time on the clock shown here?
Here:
**10:26**
